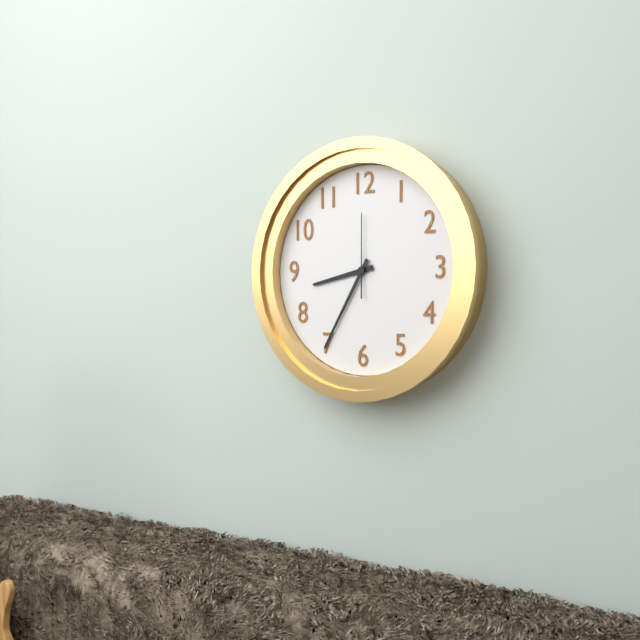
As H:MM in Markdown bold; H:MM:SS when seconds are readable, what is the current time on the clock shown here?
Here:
**8:35:00**
